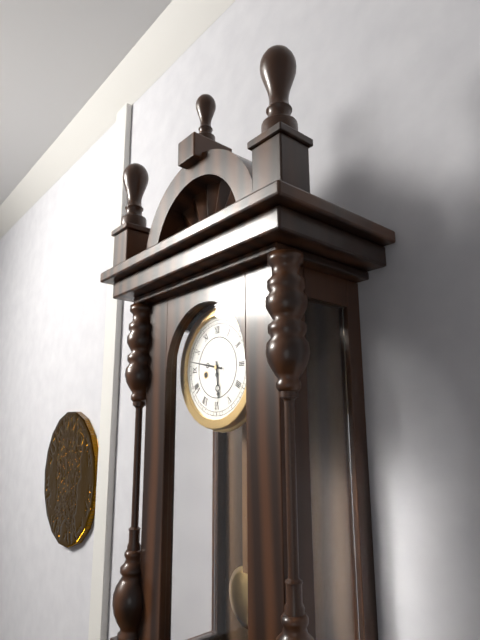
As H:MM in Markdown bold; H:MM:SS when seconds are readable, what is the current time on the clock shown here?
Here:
**5:47**
